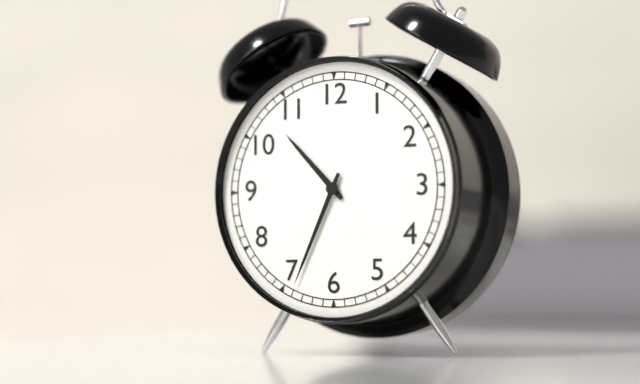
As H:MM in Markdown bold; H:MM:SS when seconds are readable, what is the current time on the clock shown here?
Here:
**10:34**
